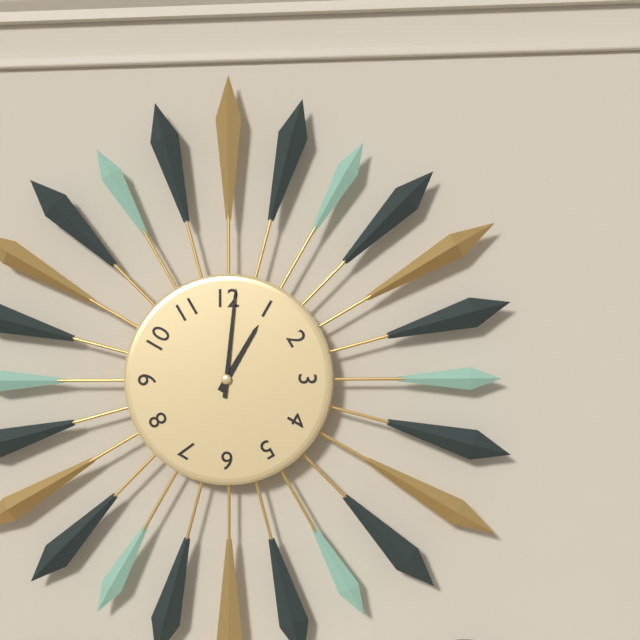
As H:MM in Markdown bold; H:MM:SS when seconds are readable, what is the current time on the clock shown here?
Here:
**1:01**
